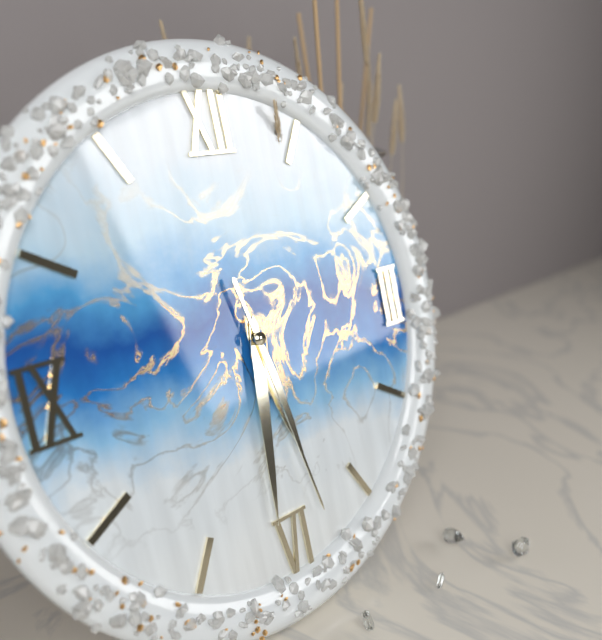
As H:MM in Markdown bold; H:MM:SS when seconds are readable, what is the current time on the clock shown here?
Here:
**5:31:28**
